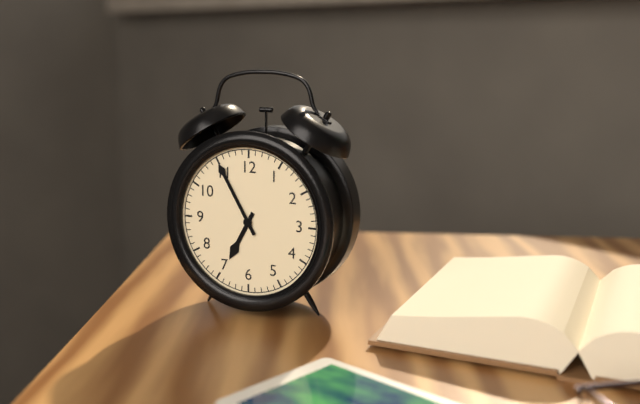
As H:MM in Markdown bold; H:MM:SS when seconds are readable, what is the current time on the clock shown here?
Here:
**6:55**
